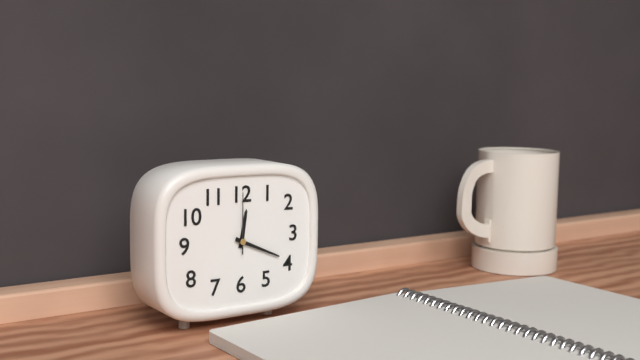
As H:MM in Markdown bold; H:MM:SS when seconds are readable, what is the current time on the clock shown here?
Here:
**12:19:00**
